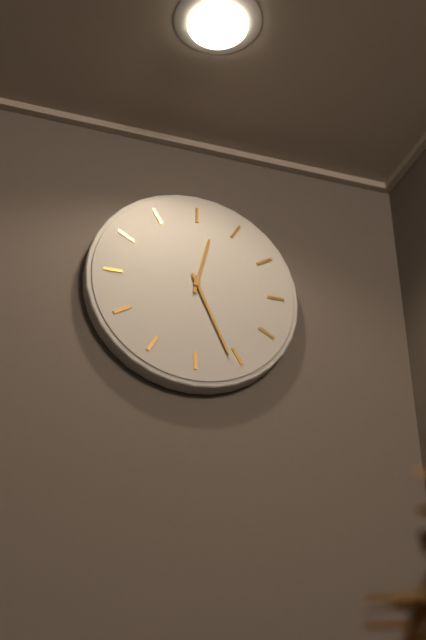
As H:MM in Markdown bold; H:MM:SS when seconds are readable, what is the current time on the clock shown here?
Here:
**12:26**
